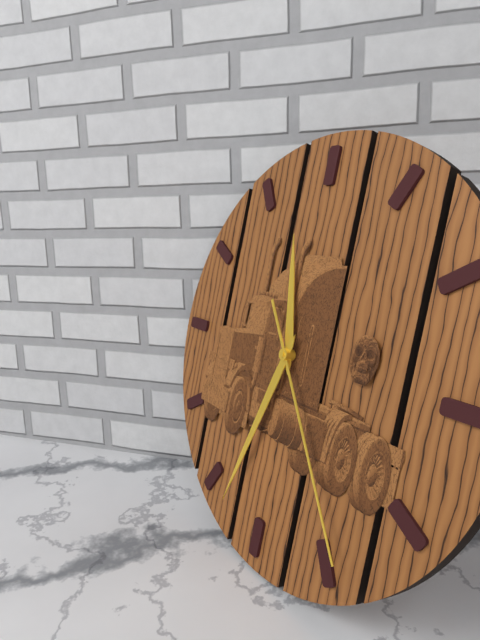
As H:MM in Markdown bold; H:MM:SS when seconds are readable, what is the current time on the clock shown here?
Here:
**11:33:24**
